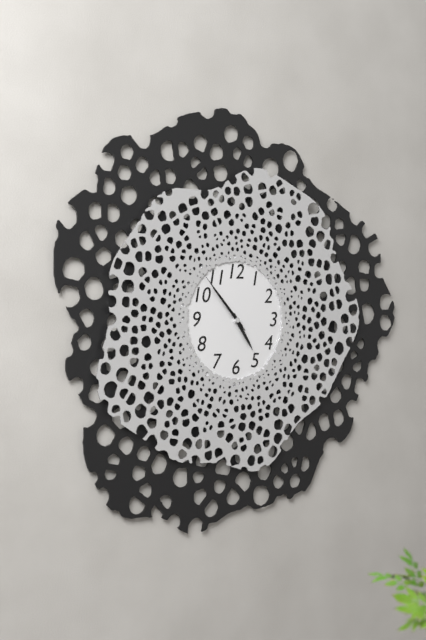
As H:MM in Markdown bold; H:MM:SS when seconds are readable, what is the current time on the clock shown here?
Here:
**4:53:53**
